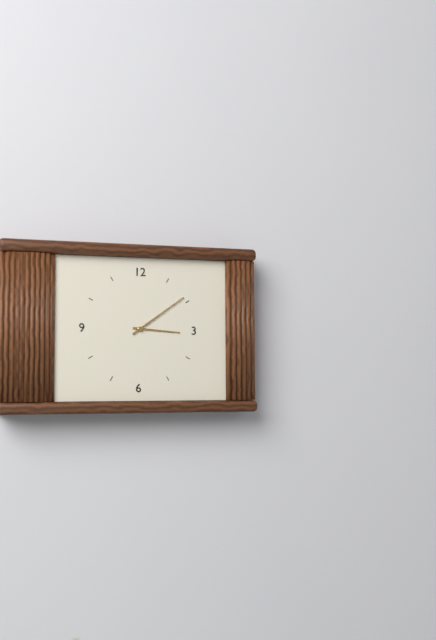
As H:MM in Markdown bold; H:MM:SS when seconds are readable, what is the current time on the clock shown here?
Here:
**3:09**
